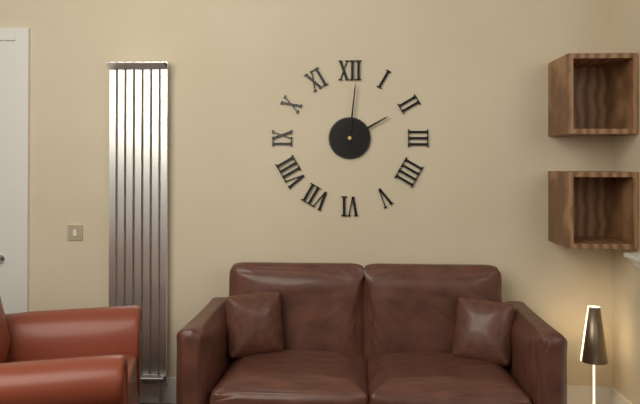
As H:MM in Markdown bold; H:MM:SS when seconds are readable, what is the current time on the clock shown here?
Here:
**2:01**
